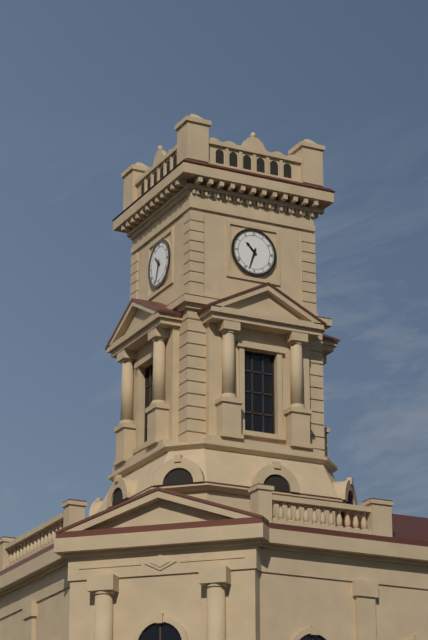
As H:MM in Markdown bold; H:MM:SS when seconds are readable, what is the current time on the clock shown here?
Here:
**10:33**
